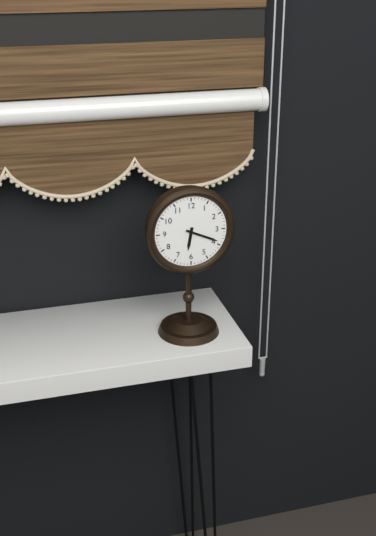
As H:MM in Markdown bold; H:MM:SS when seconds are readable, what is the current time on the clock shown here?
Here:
**6:19**
